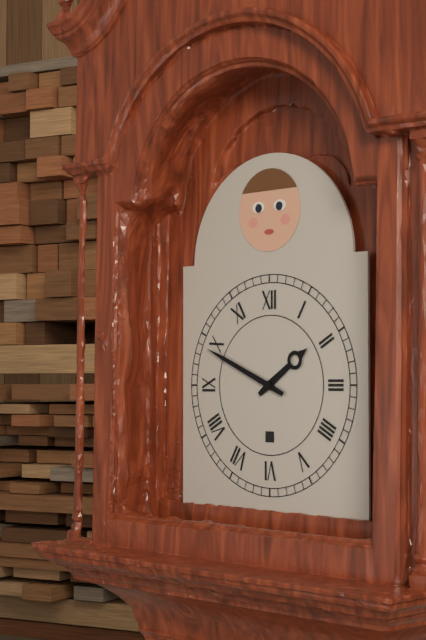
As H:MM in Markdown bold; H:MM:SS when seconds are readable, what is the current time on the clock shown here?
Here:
**1:49**
